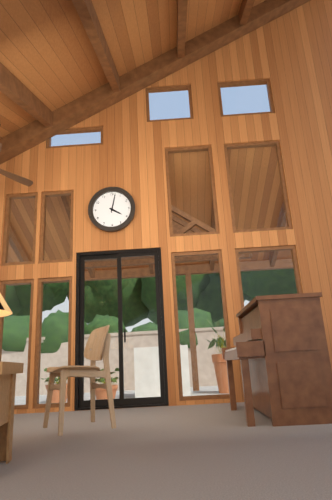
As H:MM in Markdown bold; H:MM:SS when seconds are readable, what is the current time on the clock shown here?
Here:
**4:02**
